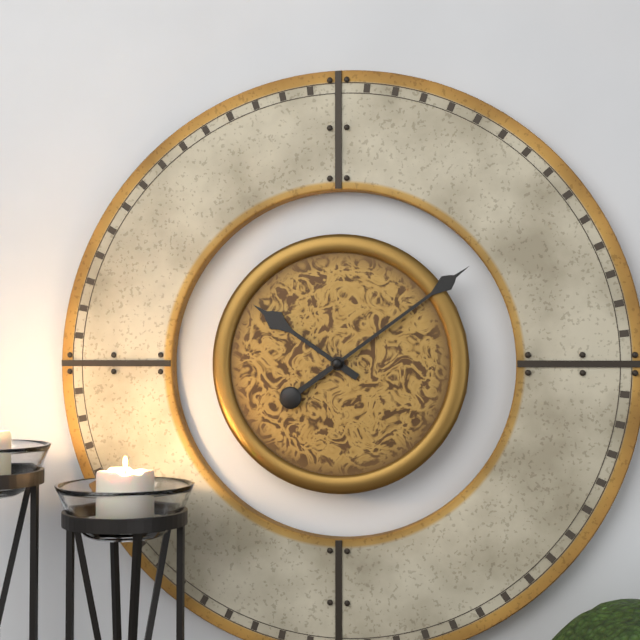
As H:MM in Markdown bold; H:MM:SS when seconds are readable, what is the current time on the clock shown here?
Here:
**10:09**
